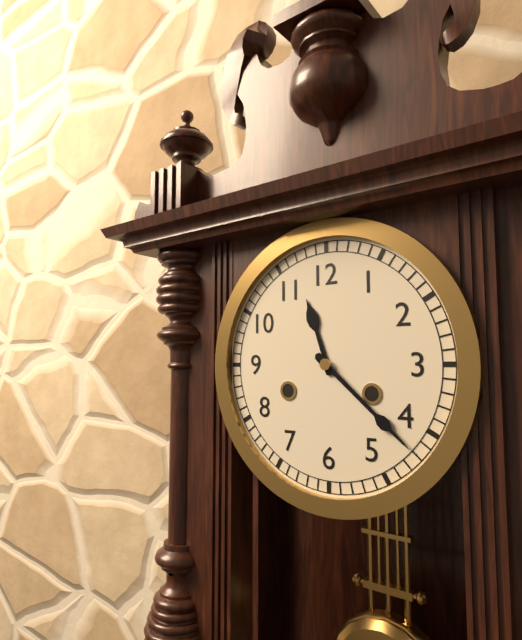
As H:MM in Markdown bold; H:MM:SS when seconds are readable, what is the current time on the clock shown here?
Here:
**11:22**
